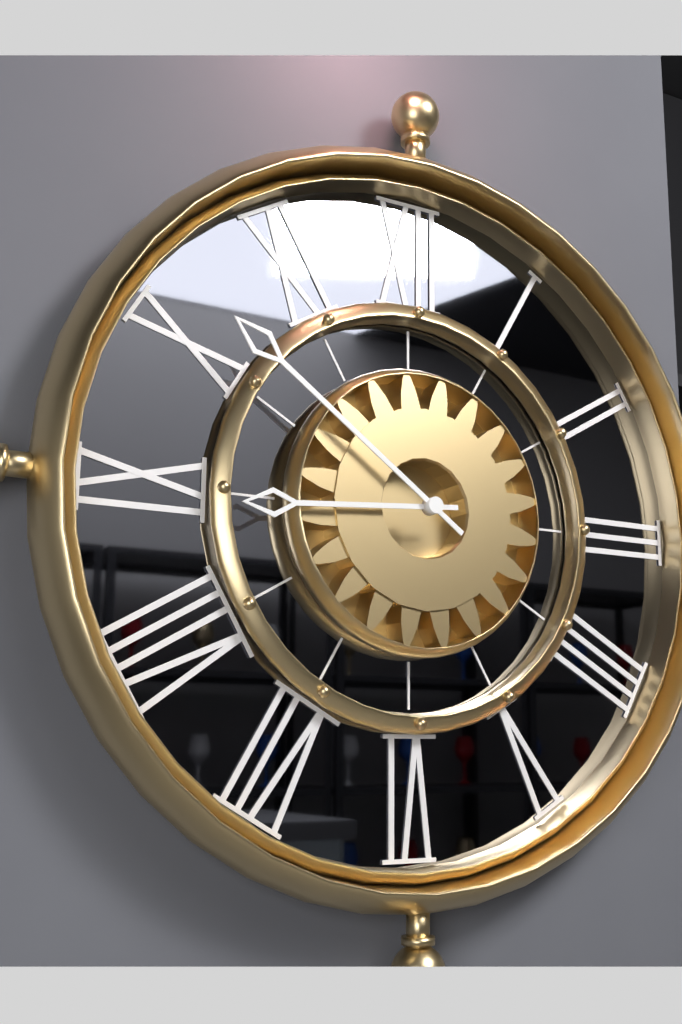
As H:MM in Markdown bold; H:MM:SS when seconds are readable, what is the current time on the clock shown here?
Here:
**8:51**
